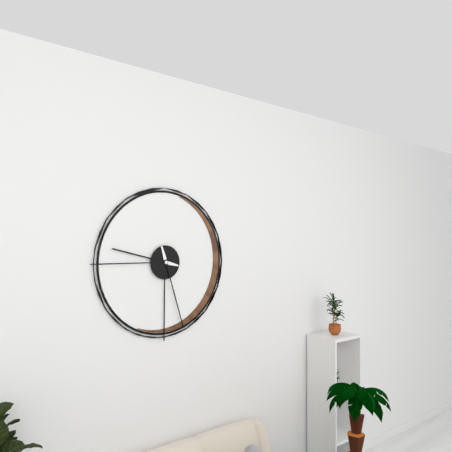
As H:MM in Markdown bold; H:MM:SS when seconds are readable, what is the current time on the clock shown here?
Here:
**9:27**
